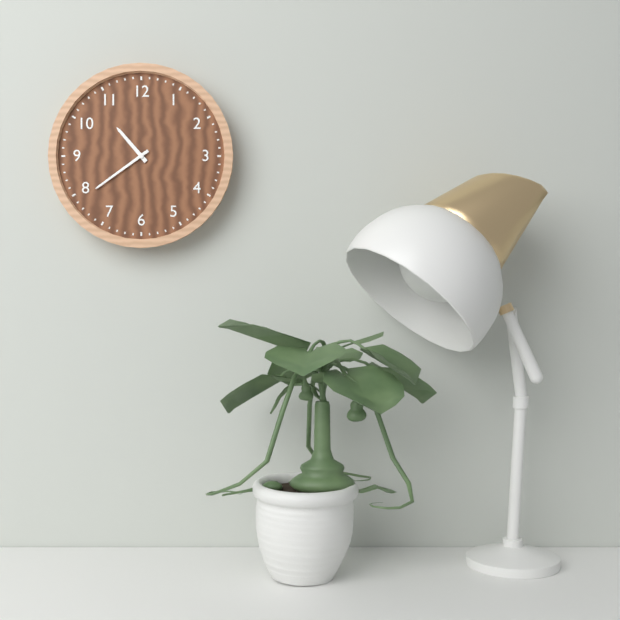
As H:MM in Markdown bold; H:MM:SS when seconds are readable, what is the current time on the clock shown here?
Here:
**10:39**
